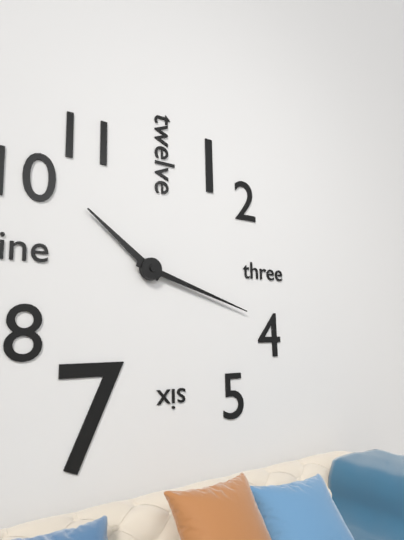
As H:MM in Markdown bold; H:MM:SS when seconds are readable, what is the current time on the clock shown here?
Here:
**10:18**
